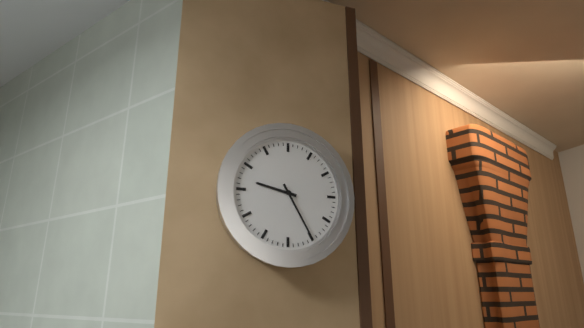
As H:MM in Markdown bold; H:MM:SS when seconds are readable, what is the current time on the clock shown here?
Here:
**9:25**
